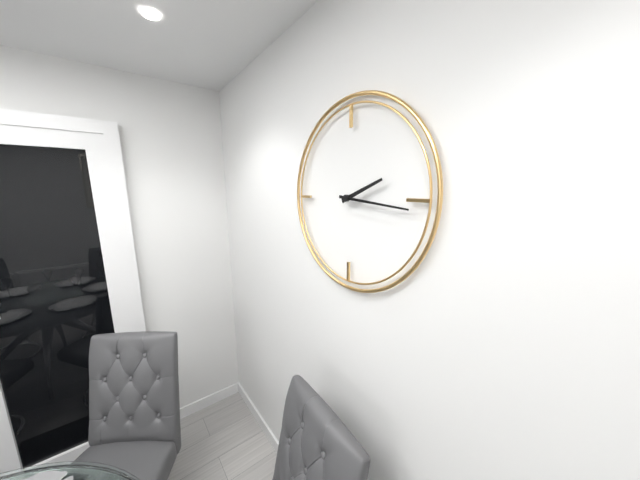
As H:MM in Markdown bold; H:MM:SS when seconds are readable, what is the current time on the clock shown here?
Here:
**2:16**
